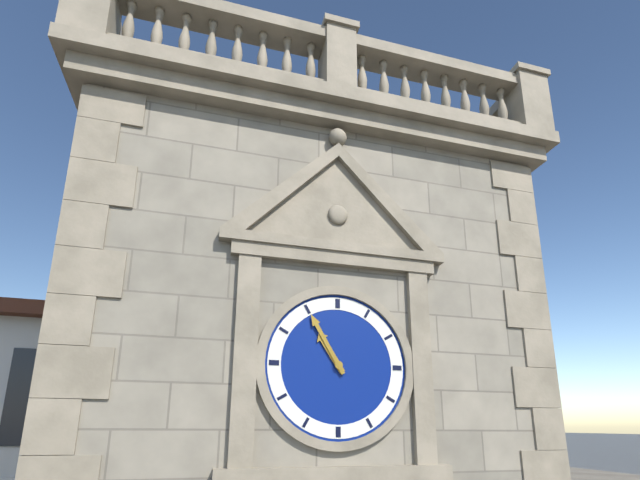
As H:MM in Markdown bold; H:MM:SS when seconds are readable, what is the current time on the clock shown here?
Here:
**10:55**
